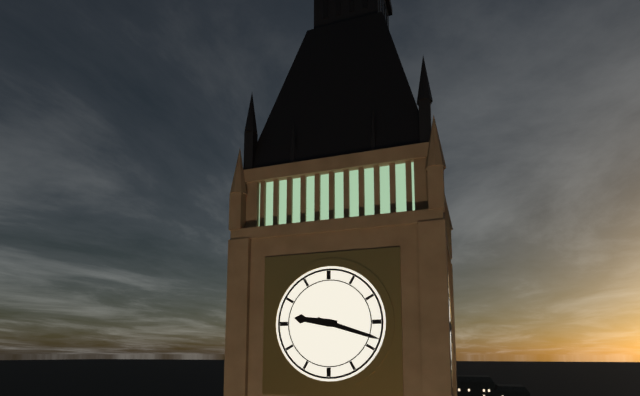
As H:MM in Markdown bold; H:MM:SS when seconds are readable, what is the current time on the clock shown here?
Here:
**9:18**
